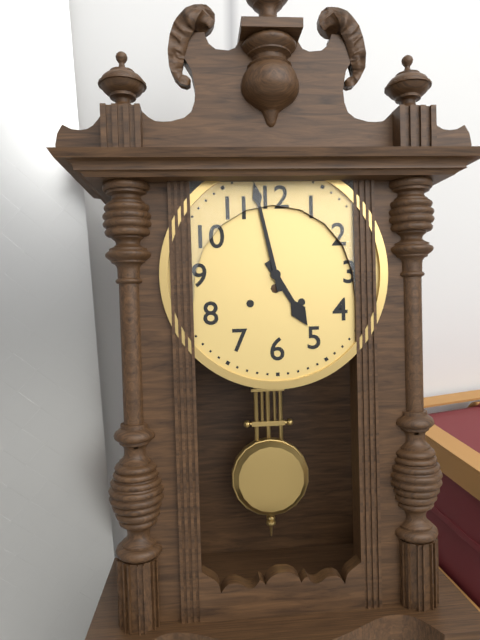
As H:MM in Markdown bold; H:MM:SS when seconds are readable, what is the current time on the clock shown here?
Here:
**4:58**
